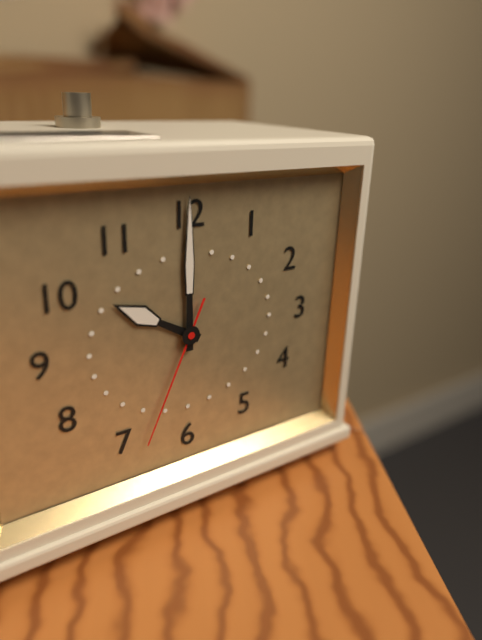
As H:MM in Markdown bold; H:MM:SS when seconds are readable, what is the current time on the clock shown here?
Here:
**10:00:34**
